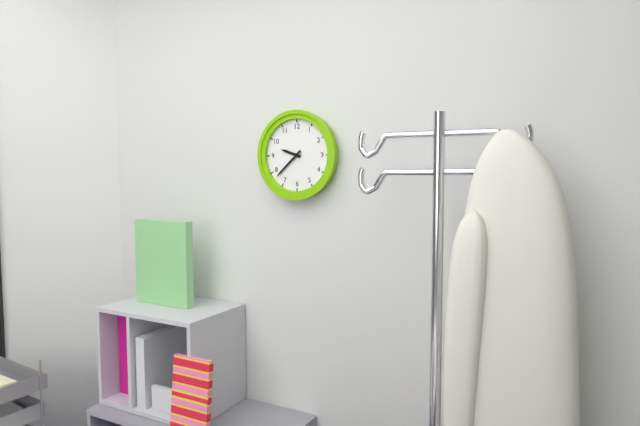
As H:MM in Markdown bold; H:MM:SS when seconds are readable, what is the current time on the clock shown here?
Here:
**9:38**
